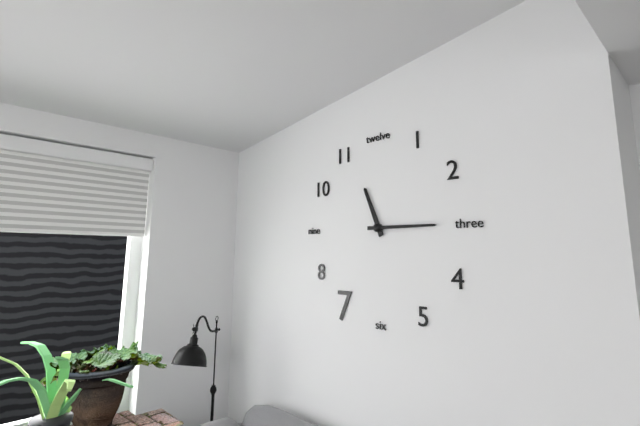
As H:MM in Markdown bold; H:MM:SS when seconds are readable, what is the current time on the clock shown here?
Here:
**11:15**
